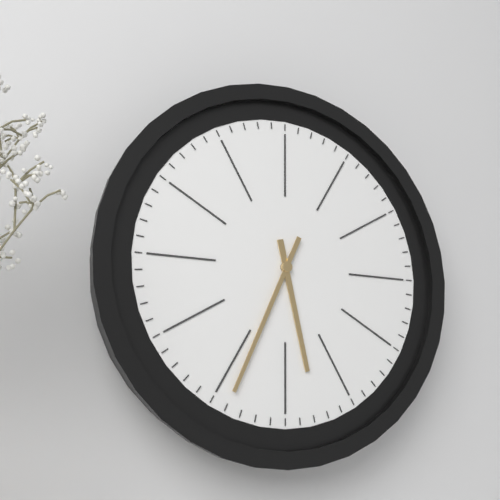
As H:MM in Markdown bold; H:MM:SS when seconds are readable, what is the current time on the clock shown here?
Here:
**5:34**
